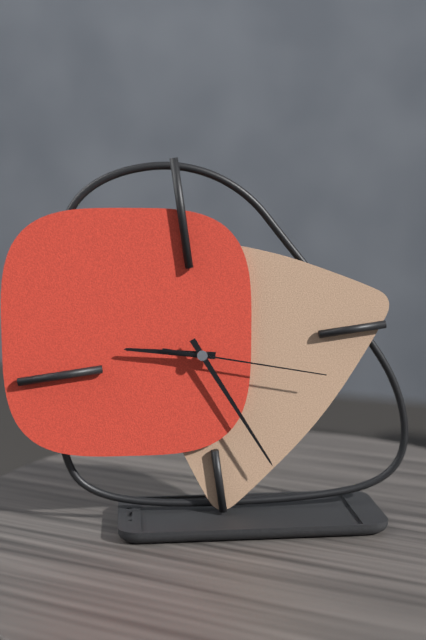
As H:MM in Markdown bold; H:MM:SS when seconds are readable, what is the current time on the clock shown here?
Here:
**9:26:18**
